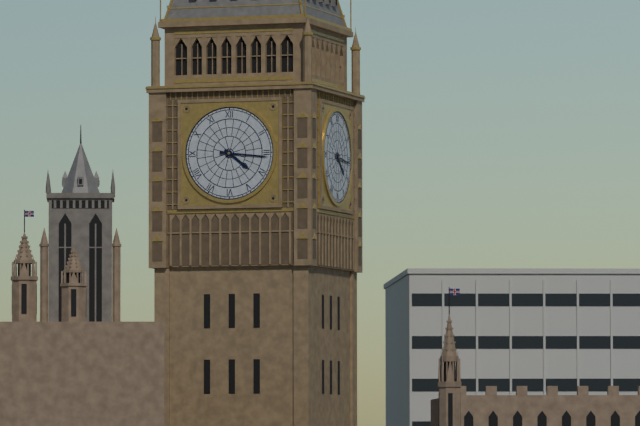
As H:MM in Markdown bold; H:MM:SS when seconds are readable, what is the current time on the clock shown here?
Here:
**4:16**
